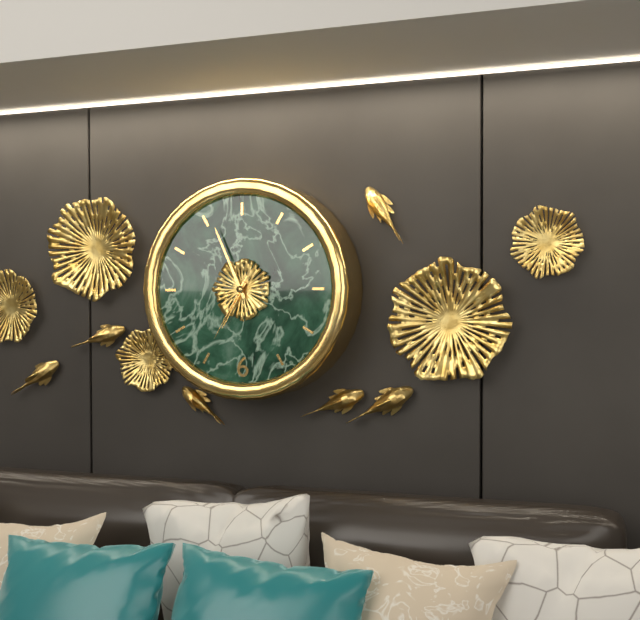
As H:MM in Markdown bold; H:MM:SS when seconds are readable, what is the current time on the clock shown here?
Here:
**6:56:35**
